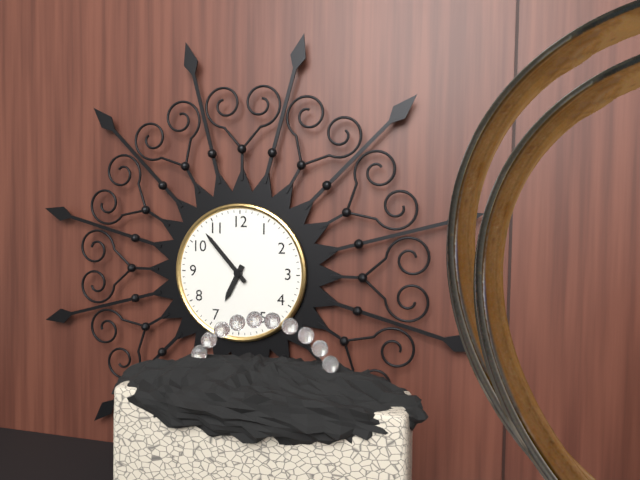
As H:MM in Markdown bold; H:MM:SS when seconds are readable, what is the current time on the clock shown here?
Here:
**6:53**
